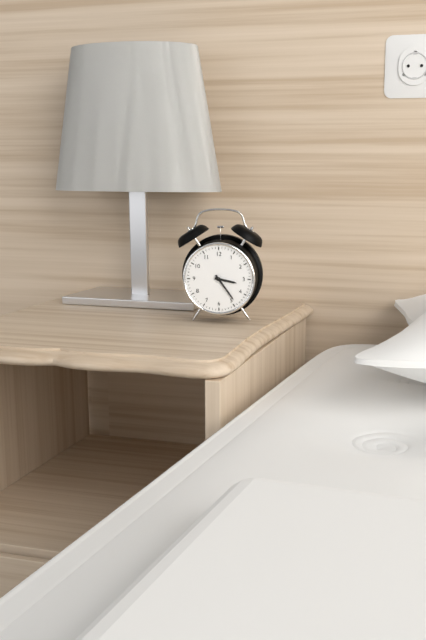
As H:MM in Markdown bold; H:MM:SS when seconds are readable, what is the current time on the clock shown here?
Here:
**3:24**
